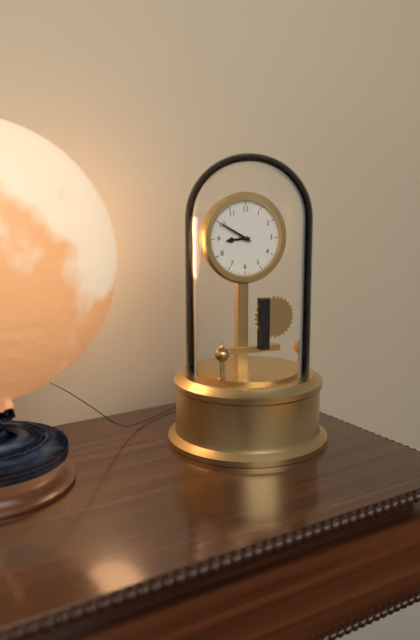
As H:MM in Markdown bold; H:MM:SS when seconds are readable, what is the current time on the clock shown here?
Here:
**8:50**
